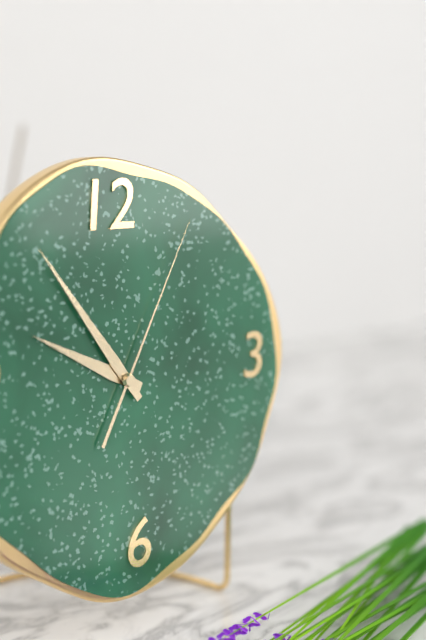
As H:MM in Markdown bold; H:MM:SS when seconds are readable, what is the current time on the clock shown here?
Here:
**9:54:05**
